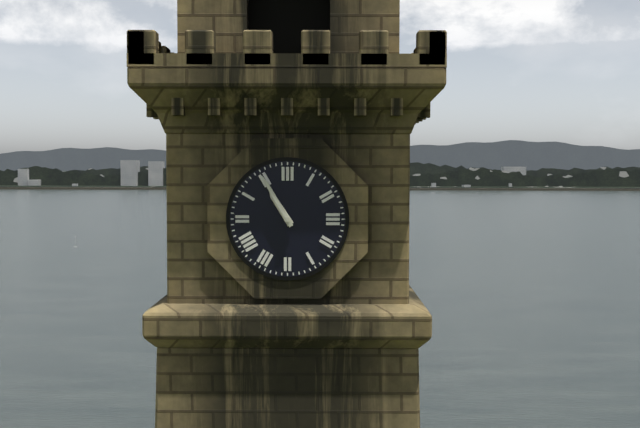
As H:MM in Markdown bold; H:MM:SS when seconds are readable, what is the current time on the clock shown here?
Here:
**10:55**
